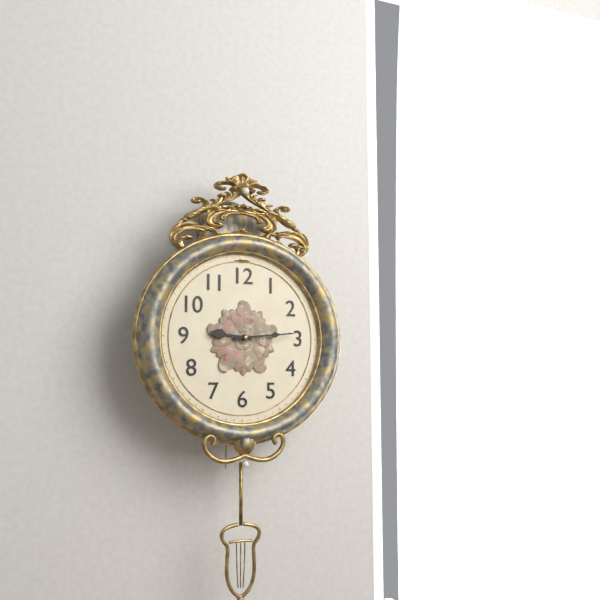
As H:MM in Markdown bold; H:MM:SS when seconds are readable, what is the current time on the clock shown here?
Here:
**9:14**
